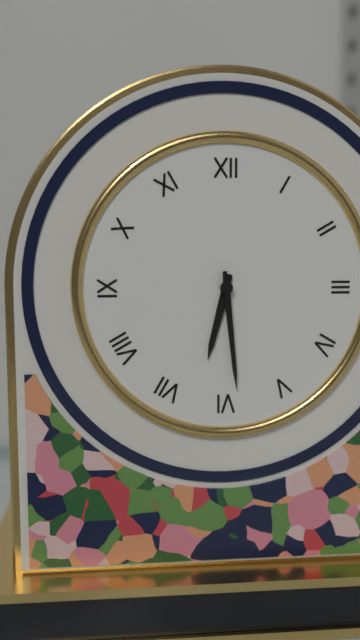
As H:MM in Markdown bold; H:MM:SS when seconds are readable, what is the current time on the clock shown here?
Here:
**6:29**
